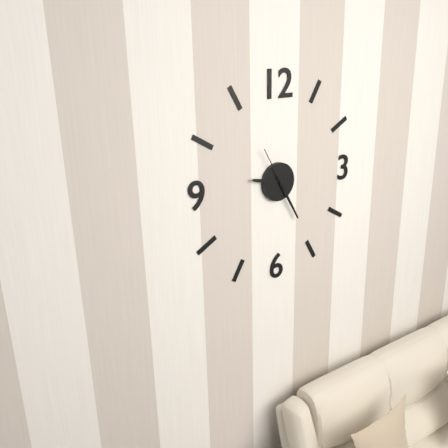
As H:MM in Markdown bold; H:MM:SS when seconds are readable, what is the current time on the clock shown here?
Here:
**9:25**
